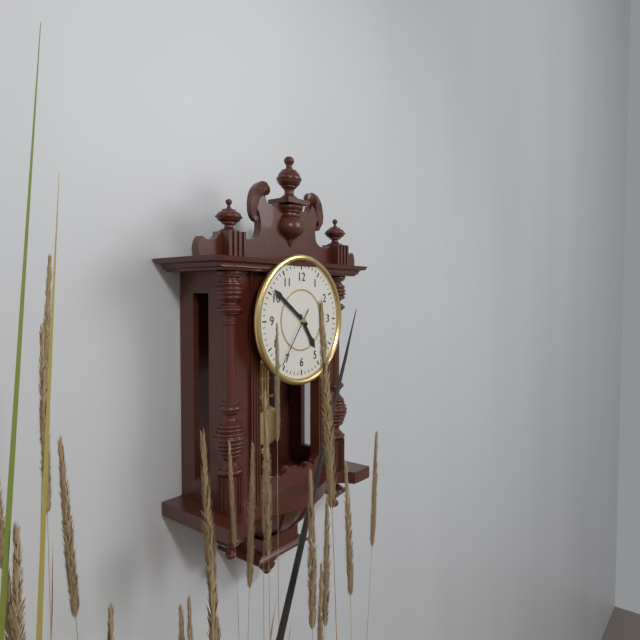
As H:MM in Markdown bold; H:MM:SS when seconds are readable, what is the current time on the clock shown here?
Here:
**4:51:36**
